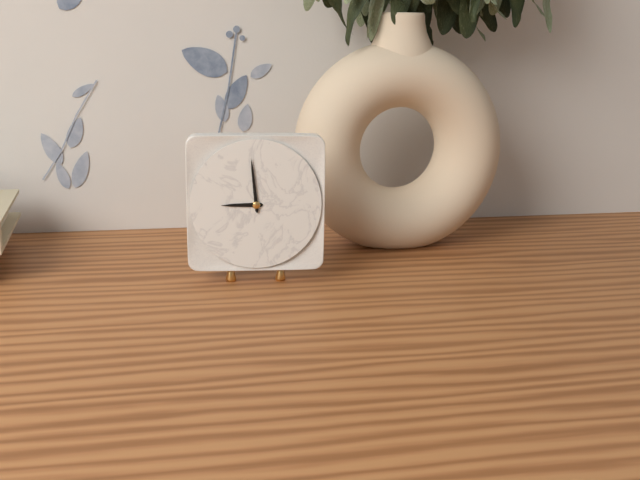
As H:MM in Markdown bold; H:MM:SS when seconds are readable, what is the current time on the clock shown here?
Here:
**8:59**
